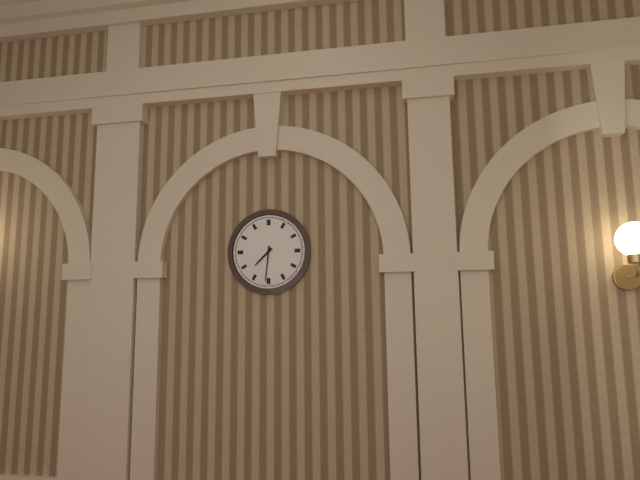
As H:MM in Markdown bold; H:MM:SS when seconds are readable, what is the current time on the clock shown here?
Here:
**7:31**
